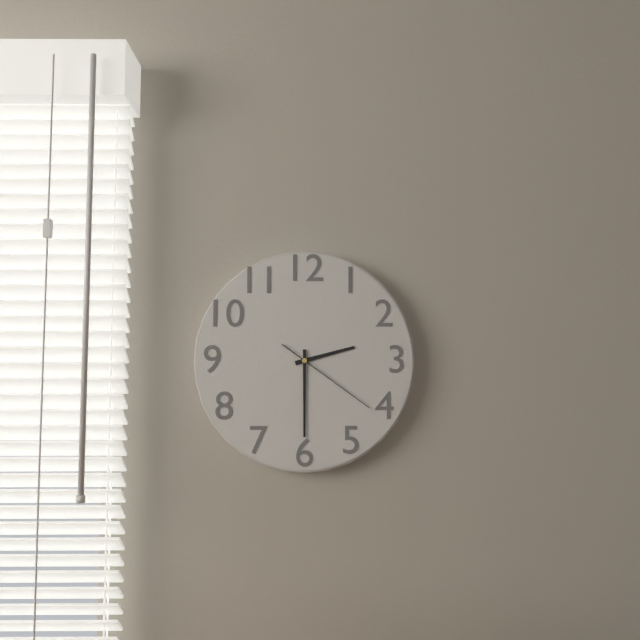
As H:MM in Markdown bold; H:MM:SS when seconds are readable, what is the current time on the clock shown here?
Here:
**2:30:21**
